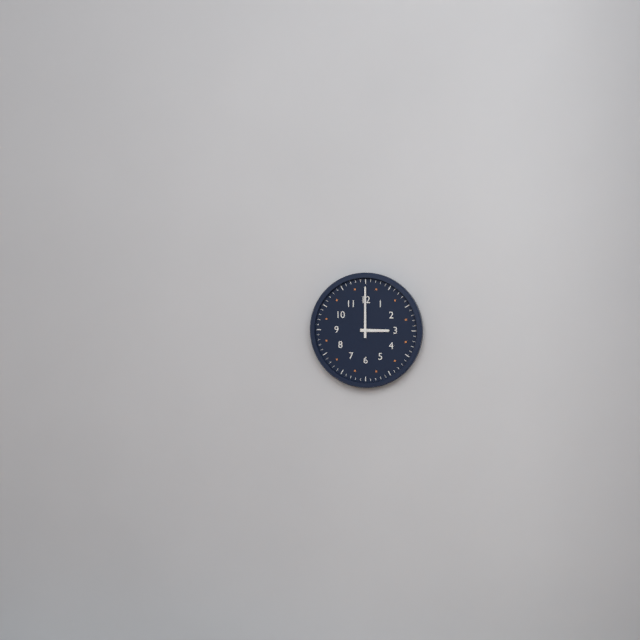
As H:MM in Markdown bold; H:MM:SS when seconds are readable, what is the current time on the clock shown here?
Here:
**3:00**
